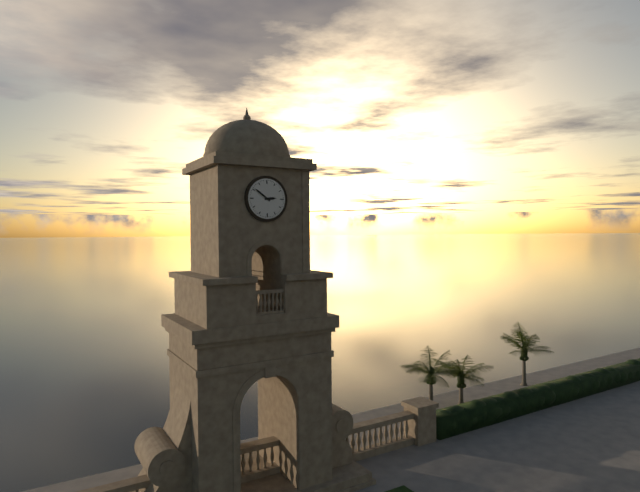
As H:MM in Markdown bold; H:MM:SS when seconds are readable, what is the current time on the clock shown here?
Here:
**2:51**
